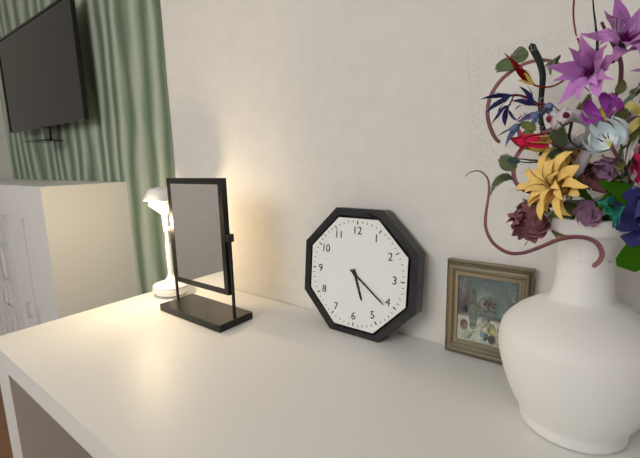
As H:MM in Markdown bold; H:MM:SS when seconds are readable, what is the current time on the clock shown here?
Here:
**5:21**
